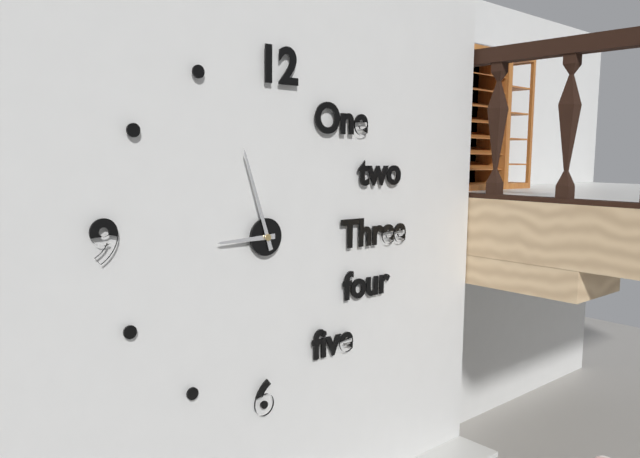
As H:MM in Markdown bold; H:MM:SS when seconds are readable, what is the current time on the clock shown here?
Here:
**8:57**
